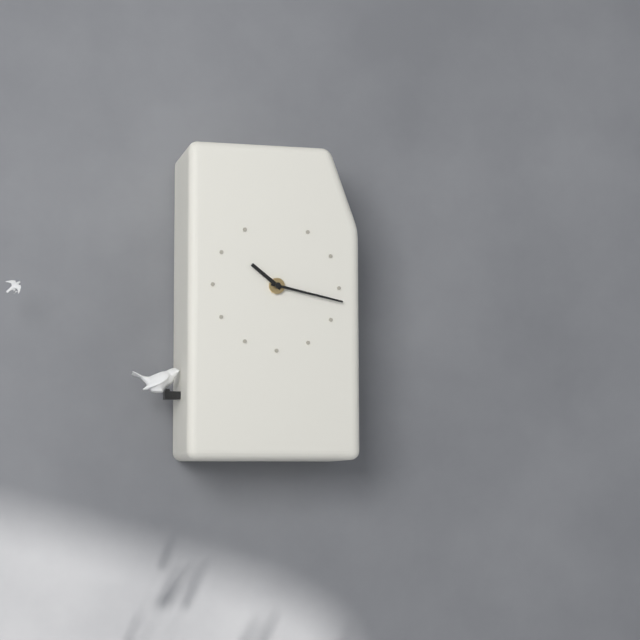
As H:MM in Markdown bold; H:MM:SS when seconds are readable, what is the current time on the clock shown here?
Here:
**10:17**
